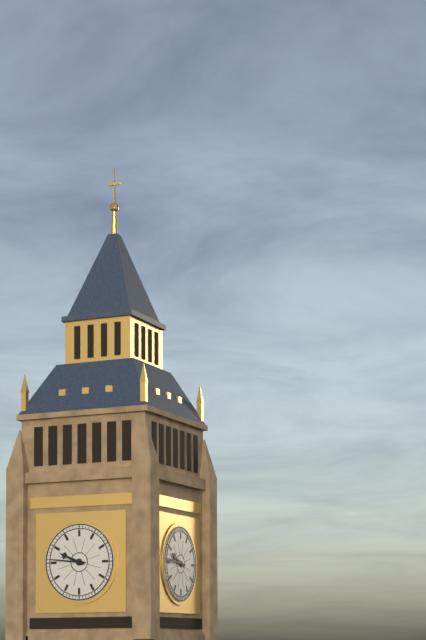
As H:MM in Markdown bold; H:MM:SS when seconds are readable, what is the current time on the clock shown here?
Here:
**9:46**
